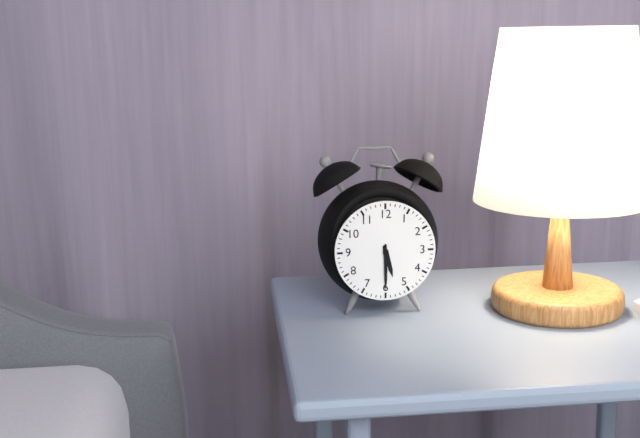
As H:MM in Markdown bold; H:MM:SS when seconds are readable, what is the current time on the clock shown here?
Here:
**5:30**
